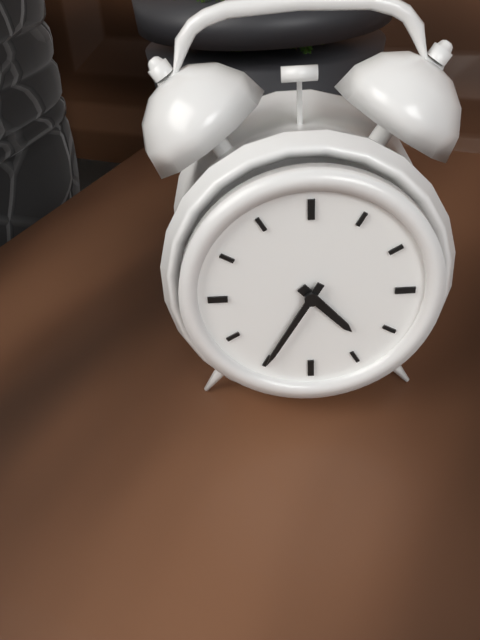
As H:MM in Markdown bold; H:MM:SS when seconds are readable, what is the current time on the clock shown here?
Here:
**4:35**
